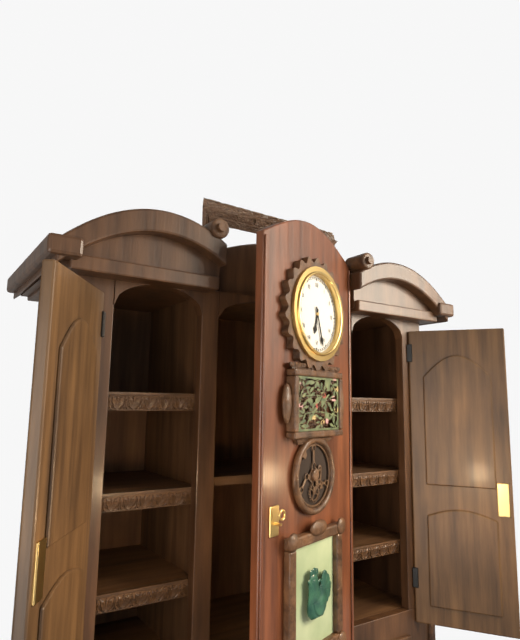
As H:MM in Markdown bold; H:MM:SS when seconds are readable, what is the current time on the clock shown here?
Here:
**6:27**
